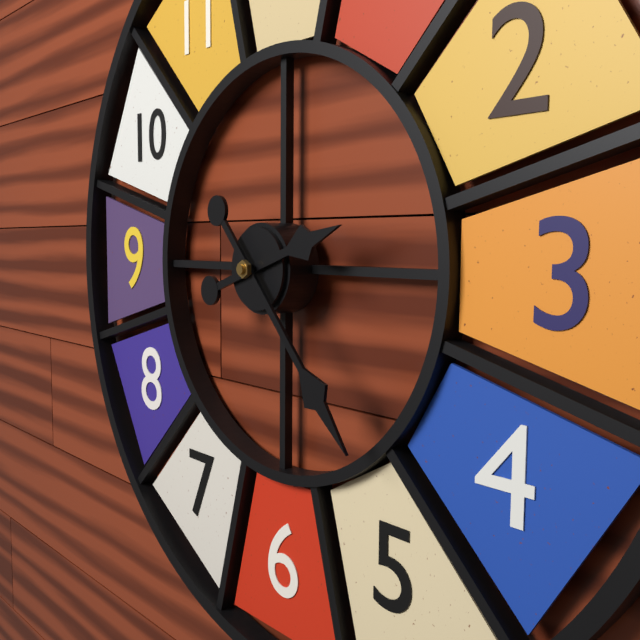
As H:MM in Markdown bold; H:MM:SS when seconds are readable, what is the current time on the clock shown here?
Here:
**2:23**
